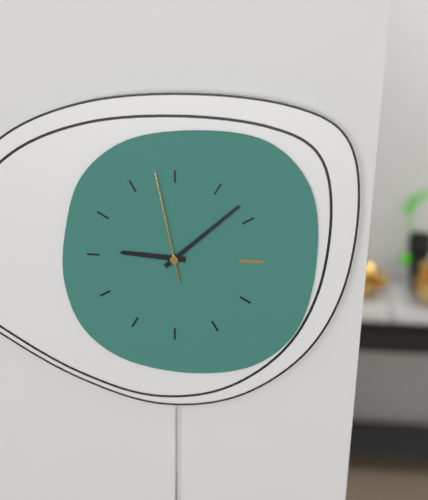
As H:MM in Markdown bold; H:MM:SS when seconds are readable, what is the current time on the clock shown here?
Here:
**9:08:58**
